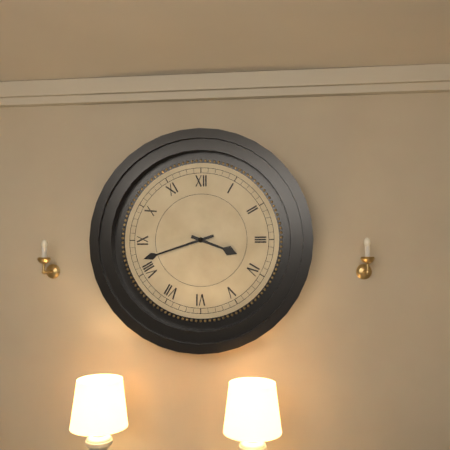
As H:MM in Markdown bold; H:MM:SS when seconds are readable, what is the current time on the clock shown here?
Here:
**3:42**
